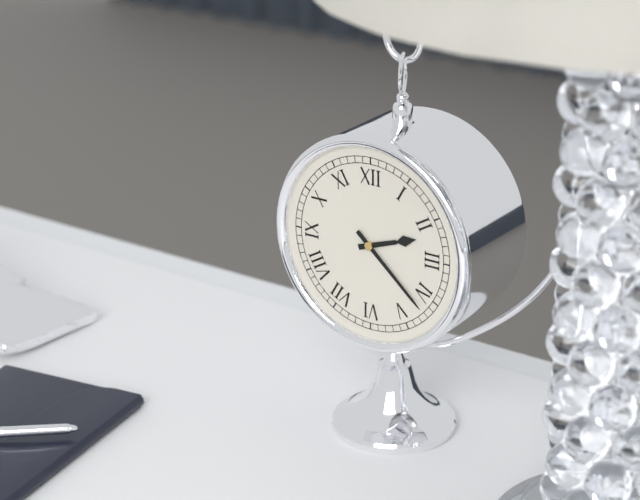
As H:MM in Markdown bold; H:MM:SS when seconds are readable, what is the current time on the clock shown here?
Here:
**2:22**
